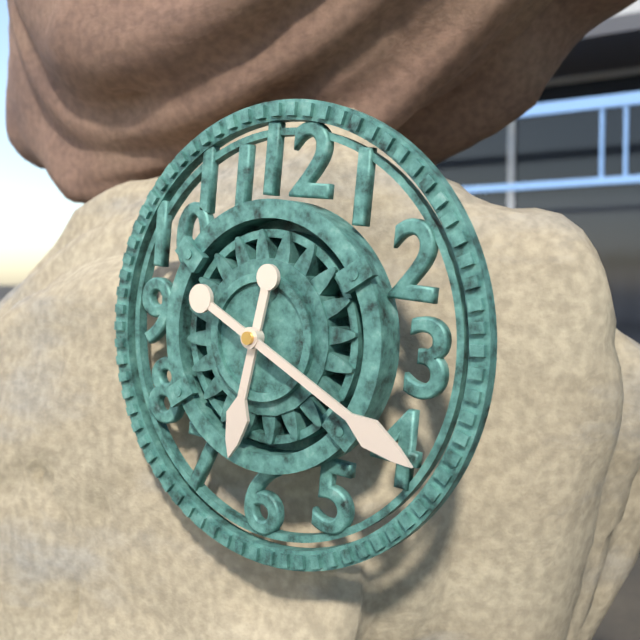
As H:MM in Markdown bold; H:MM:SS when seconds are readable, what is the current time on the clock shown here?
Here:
**6:19**
